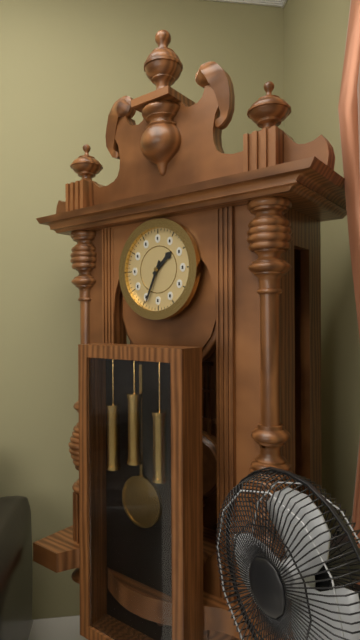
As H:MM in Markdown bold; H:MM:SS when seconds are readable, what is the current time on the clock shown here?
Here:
**1:34**
